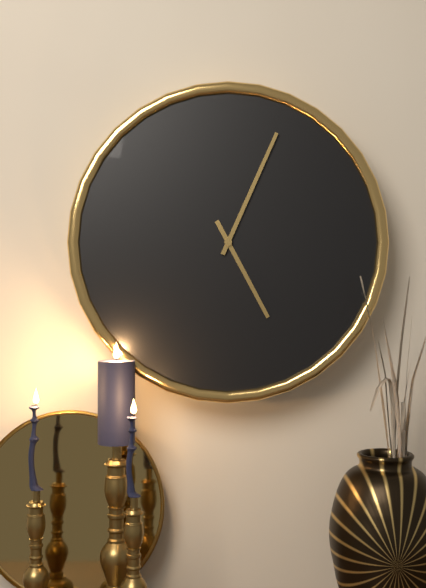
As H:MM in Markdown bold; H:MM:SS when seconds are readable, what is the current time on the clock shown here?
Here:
**5:04**
